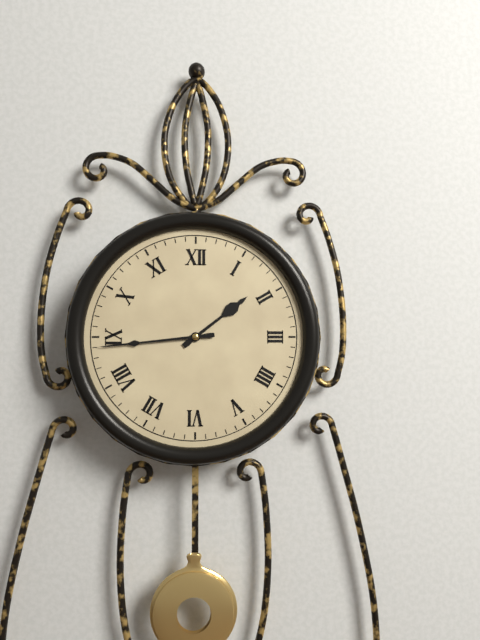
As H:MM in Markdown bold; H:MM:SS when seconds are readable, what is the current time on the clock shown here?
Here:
**1:44**
